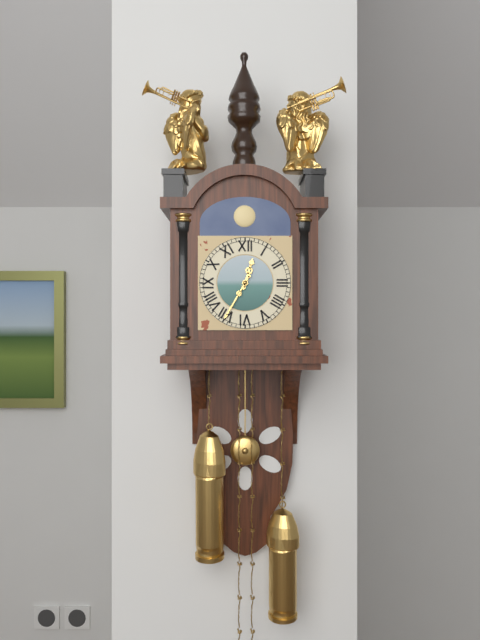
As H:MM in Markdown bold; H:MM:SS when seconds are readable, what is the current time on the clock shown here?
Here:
**12:35**
